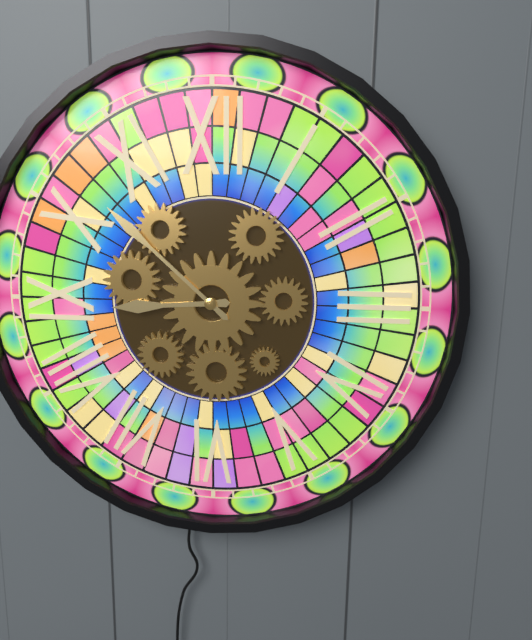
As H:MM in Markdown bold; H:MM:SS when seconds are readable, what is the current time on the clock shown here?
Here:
**8:52**
